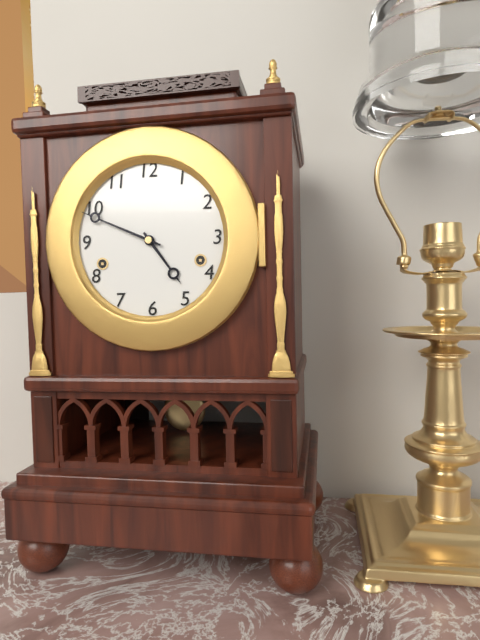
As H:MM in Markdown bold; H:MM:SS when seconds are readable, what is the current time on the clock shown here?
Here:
**4:49**
